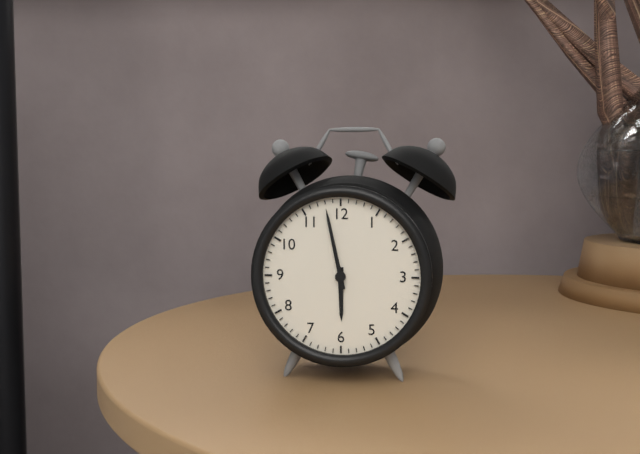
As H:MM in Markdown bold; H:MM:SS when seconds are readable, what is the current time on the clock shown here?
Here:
**5:58**
